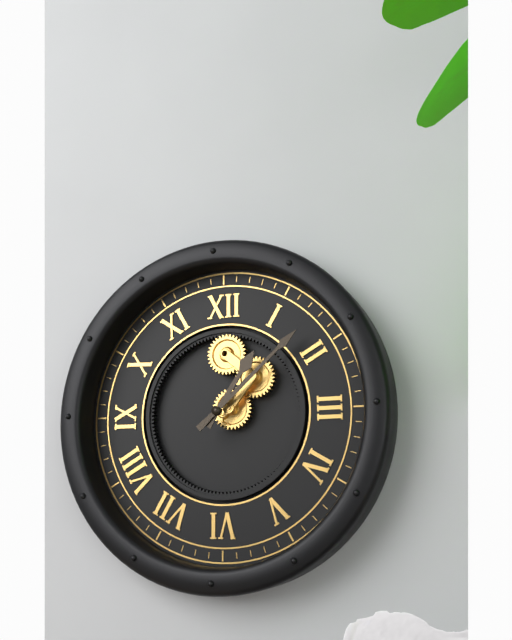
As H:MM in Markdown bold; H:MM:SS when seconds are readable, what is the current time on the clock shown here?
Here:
**1:08**
